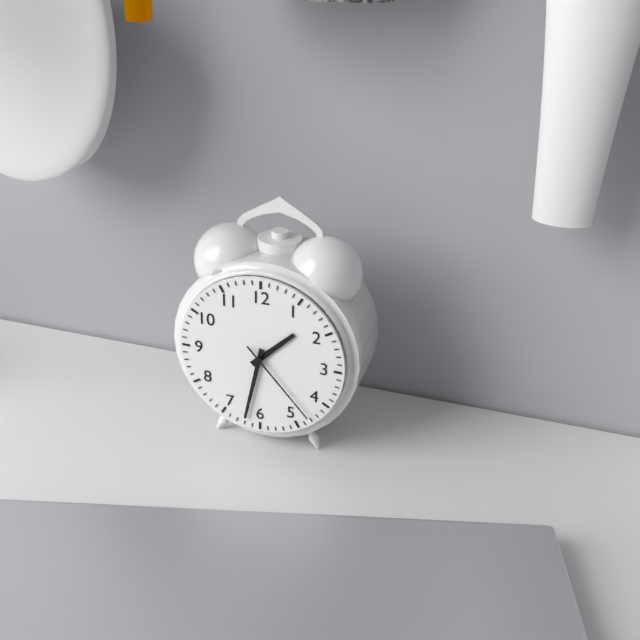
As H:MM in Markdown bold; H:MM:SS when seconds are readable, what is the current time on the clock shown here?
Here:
**1:32:23**
